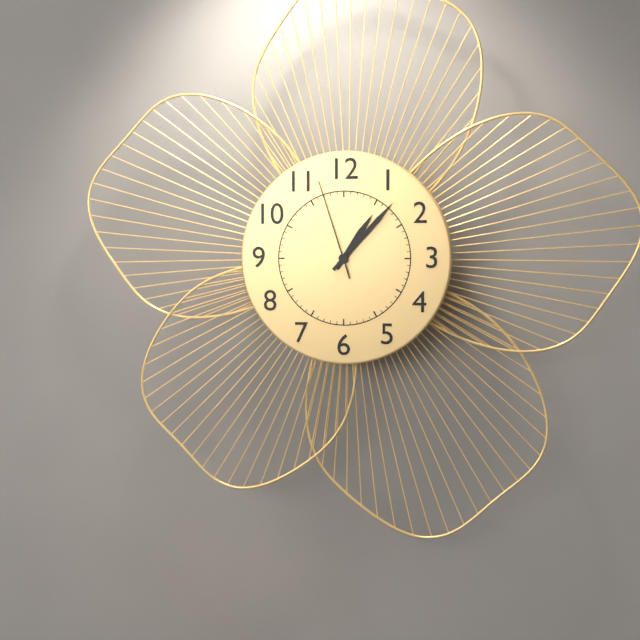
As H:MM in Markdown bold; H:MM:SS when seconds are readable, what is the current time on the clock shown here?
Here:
**1:07:57**
